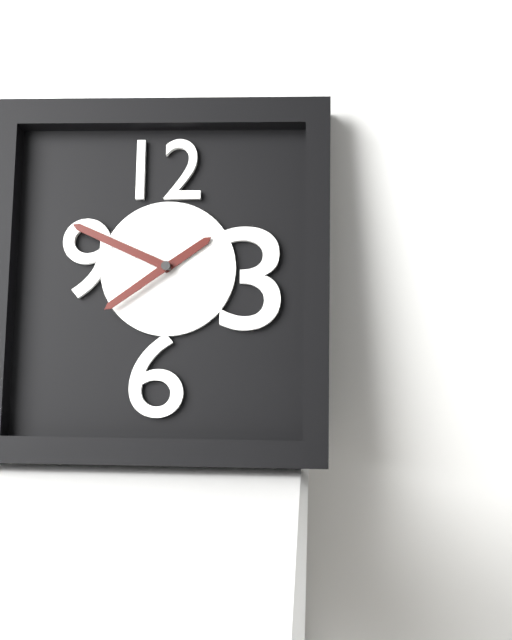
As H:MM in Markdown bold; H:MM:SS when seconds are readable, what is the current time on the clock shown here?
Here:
**1:49:39**
